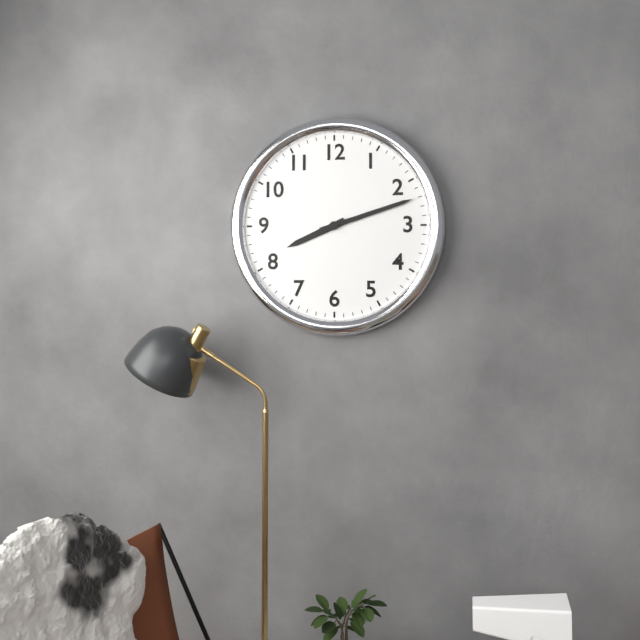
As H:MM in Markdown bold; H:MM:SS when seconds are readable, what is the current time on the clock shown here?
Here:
**8:12**
